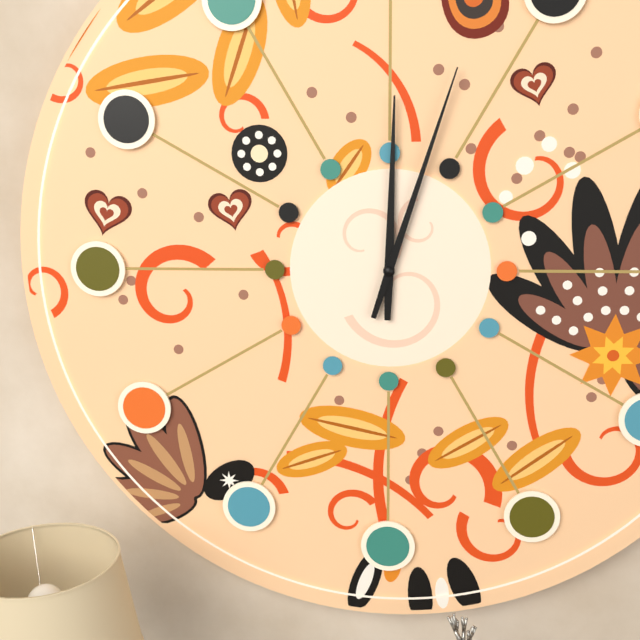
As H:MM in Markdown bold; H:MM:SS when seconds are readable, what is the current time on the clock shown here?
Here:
**12:03**
